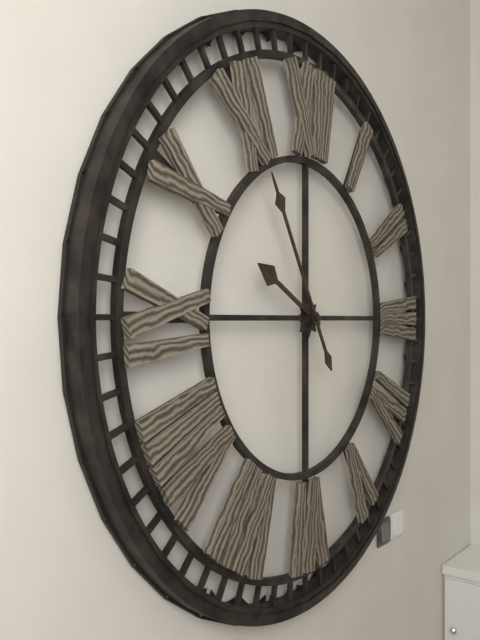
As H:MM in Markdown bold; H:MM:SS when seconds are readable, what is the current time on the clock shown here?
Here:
**9:55**
